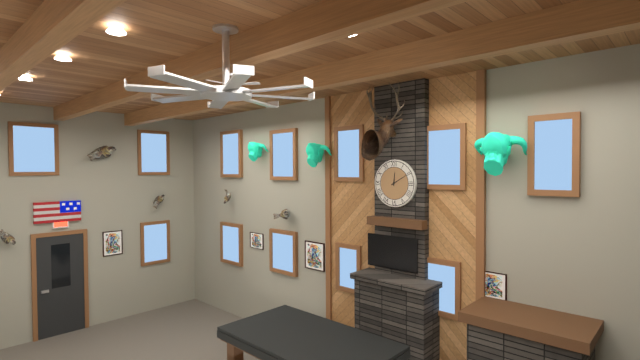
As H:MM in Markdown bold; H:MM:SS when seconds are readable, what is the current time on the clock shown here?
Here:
**12:10**
